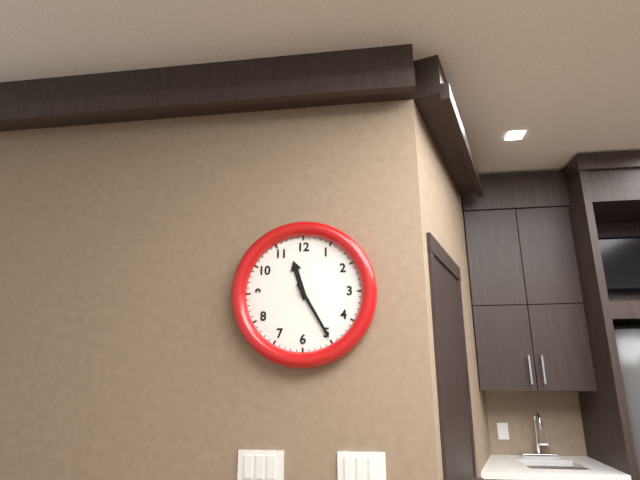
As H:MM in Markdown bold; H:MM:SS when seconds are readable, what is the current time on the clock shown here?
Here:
**11:25**
